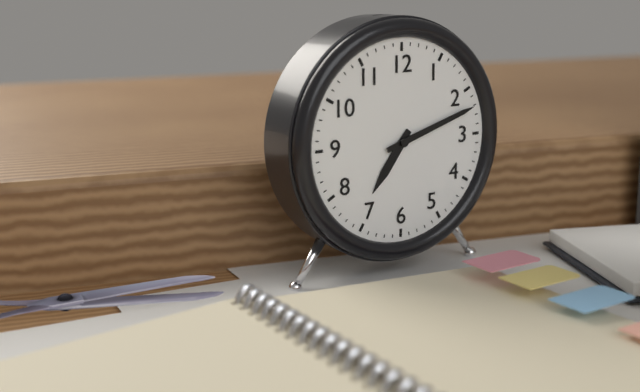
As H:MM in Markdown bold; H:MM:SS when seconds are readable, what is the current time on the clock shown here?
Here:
**7:12**
